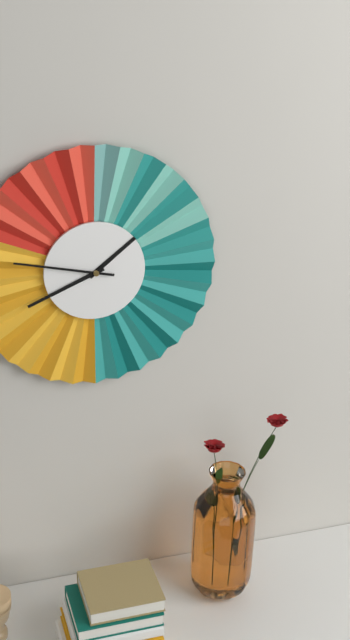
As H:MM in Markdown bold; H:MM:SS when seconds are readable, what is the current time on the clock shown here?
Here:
**1:41:47**
